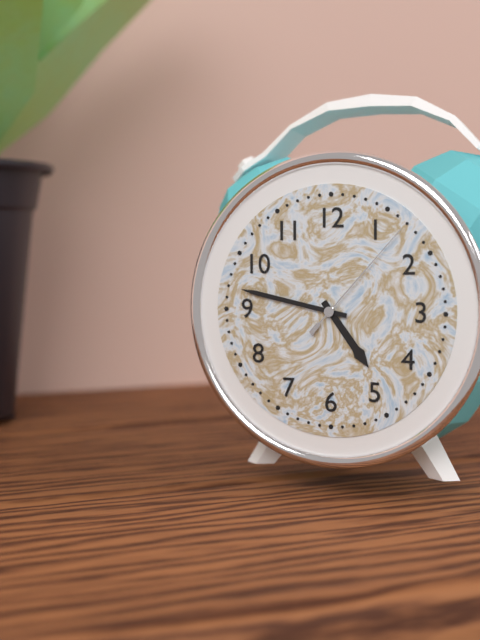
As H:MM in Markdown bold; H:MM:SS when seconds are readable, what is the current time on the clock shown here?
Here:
**4:47:07**
